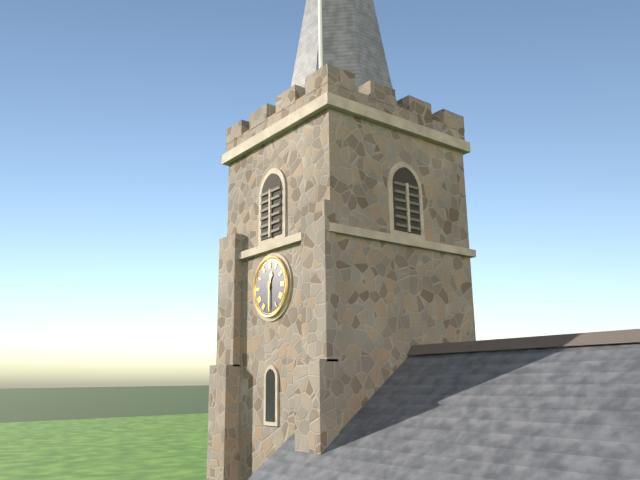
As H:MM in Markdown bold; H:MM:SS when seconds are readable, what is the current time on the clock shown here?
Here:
**12:30**
